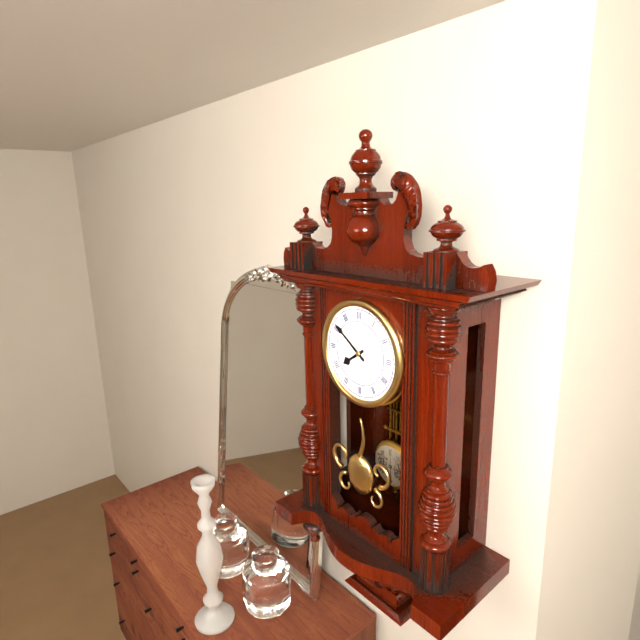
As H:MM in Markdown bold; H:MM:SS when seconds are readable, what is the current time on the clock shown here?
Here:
**7:51**
